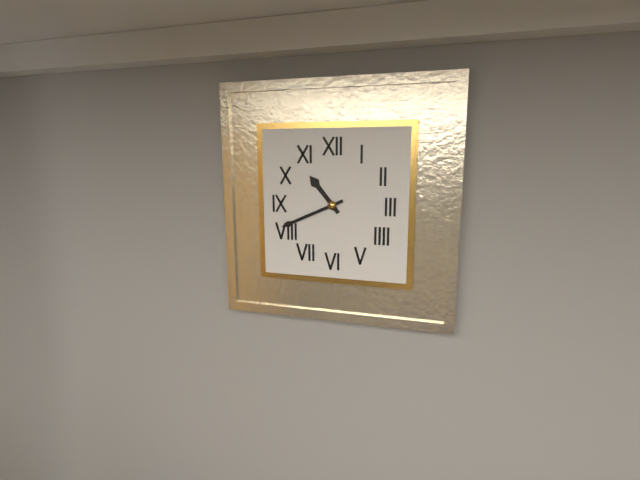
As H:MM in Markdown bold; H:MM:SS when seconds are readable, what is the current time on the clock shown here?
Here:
**10:41**
